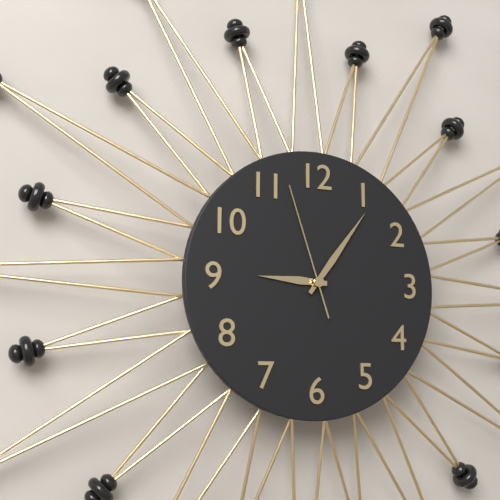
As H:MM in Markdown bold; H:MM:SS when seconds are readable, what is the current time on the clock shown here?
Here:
**9:06:57**
